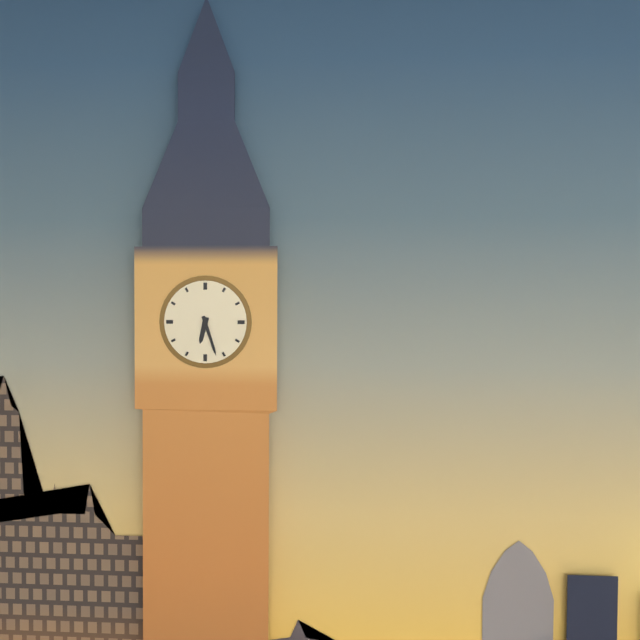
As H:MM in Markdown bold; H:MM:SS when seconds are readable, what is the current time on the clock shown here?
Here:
**6:27**
